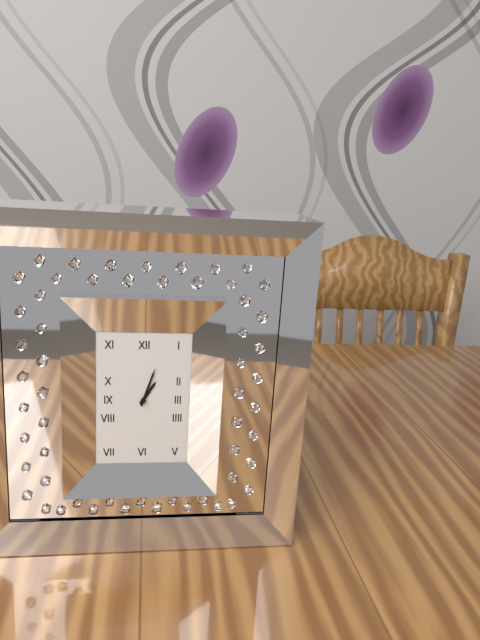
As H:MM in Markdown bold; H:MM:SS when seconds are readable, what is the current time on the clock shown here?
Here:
**1:03**
